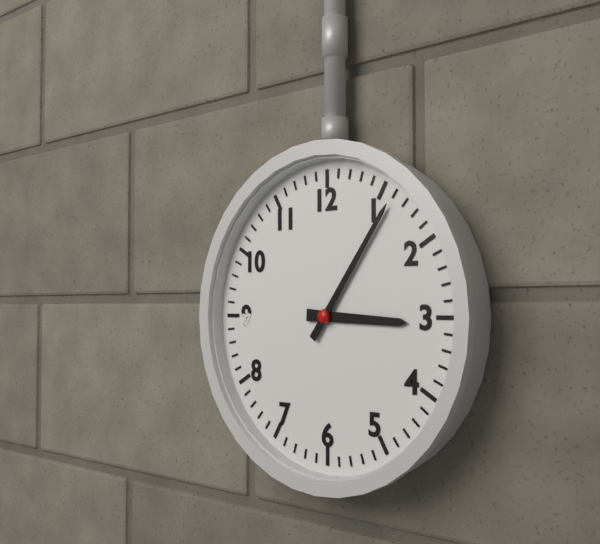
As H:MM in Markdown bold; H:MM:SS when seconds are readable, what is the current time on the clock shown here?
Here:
**3:06**
